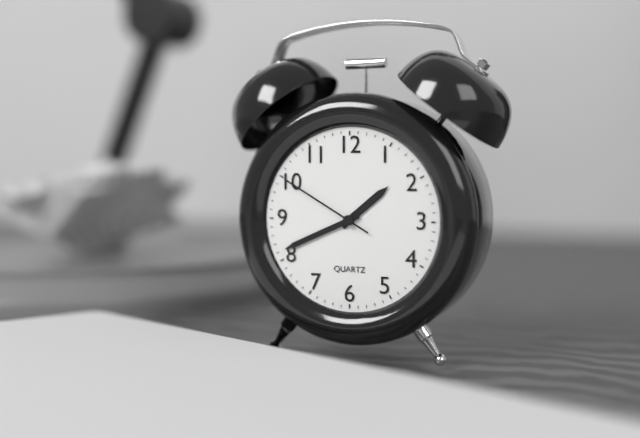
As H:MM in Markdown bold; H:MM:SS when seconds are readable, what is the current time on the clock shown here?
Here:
**1:41:50**
